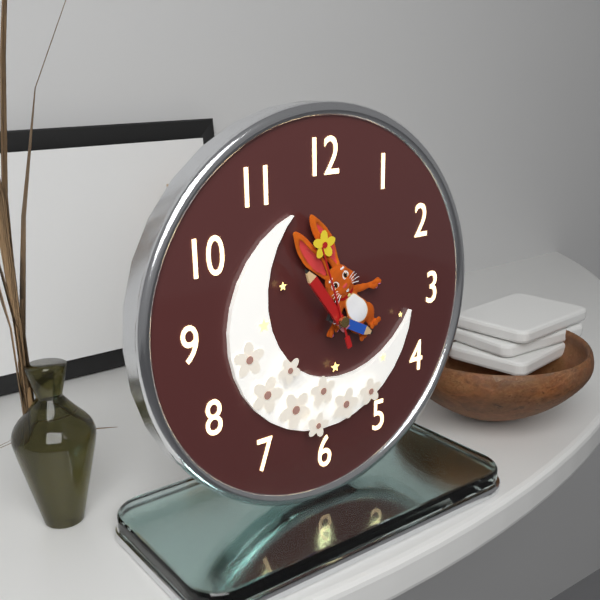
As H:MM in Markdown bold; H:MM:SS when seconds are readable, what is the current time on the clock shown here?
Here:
**3:54:57**
